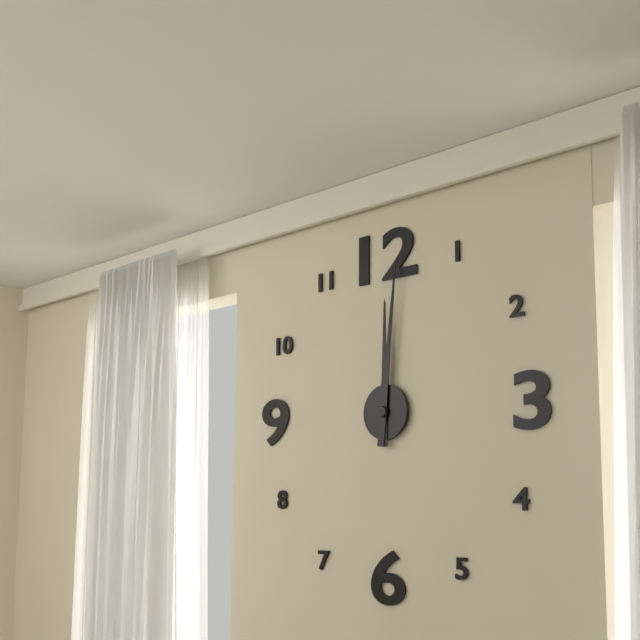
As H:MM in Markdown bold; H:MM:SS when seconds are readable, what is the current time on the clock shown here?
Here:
**12:01**
